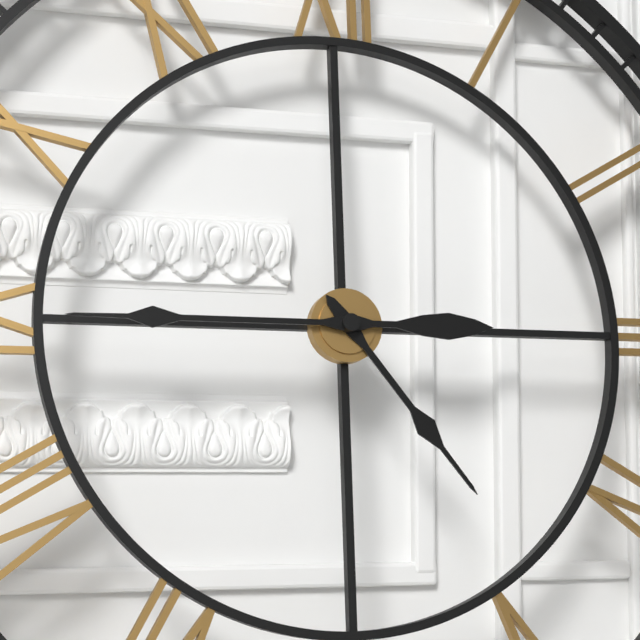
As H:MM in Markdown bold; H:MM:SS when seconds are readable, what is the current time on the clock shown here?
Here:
**4:45**
